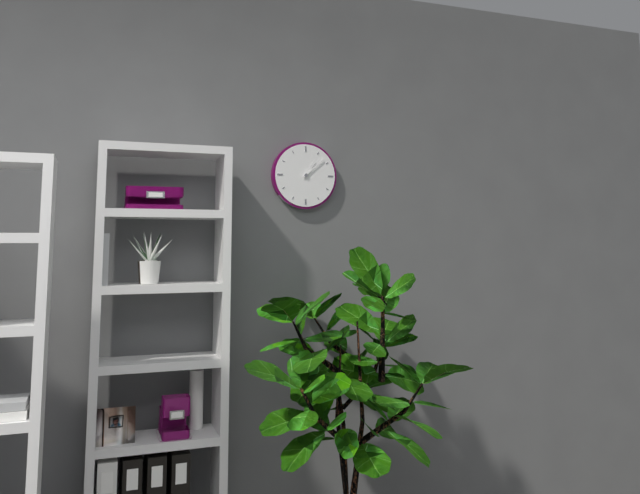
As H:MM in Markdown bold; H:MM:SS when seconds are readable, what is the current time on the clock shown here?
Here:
**1:08**
